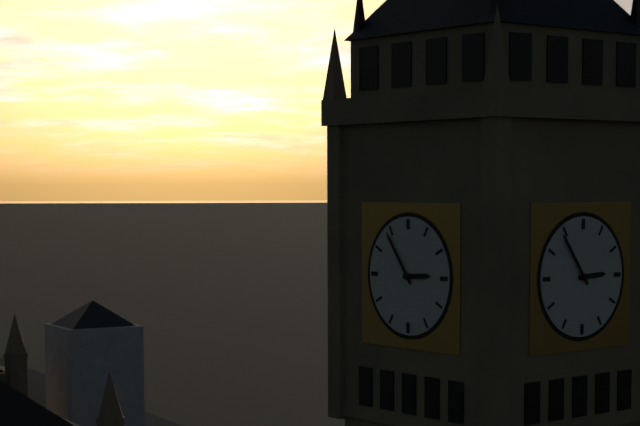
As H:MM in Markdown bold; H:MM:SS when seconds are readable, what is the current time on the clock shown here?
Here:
**2:54**
